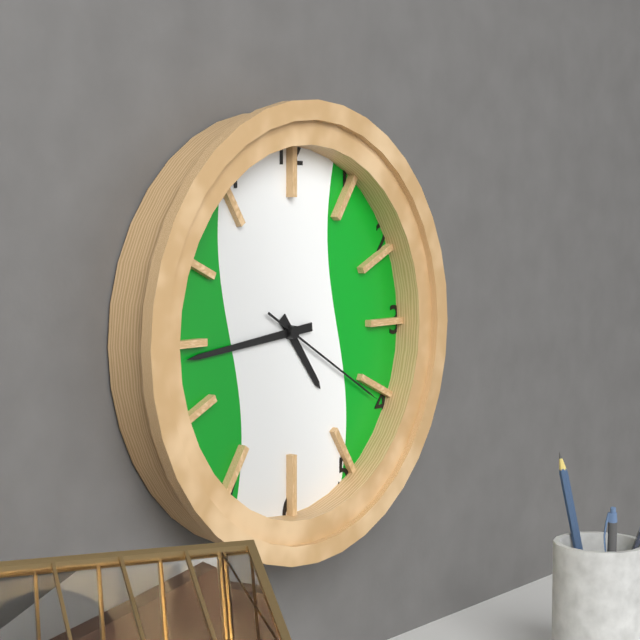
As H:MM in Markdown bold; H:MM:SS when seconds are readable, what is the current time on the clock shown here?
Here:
**4:44:20**
